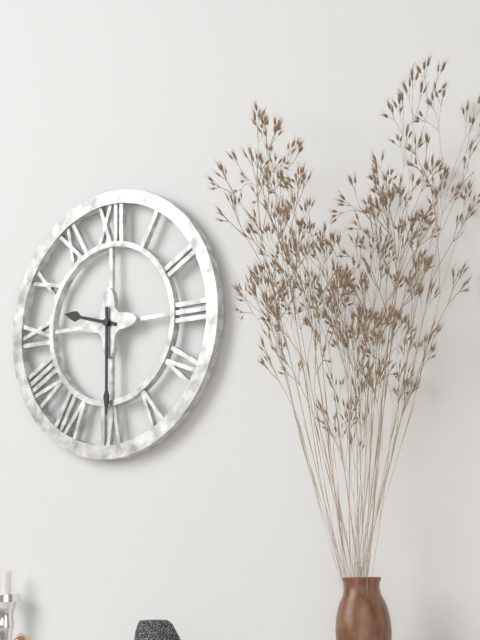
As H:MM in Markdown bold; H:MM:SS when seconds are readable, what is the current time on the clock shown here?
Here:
**9:30**
